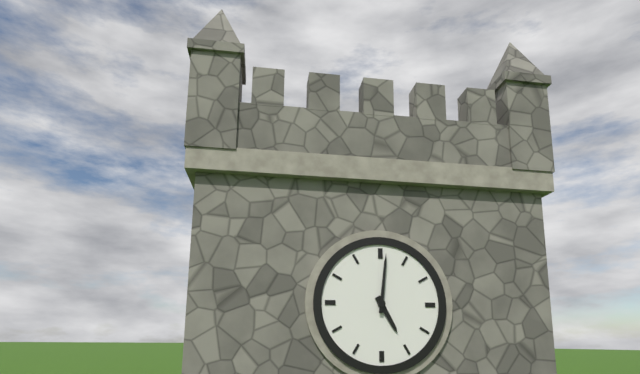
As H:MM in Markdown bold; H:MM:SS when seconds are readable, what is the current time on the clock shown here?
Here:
**5:01**
